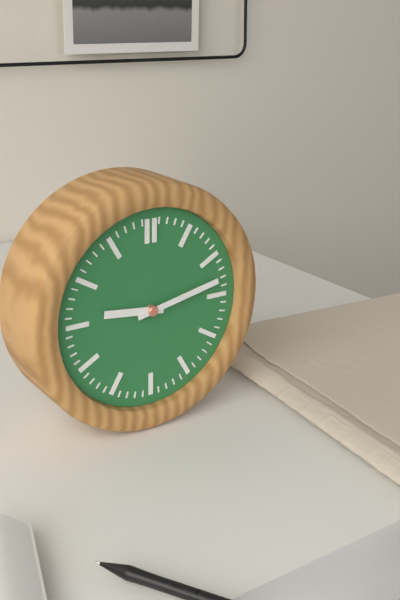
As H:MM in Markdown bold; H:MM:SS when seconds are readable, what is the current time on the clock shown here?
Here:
**9:13**
